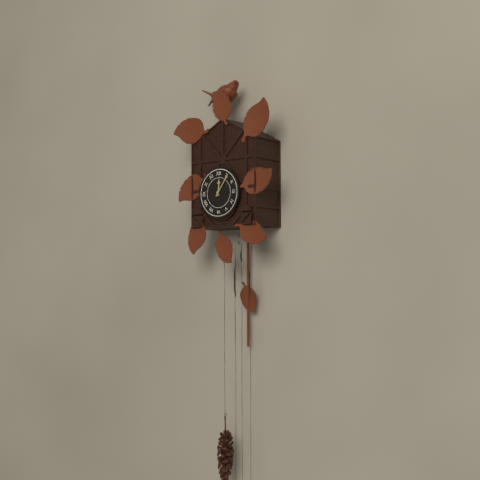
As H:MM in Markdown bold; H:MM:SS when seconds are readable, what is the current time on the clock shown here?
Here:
**12:06**
